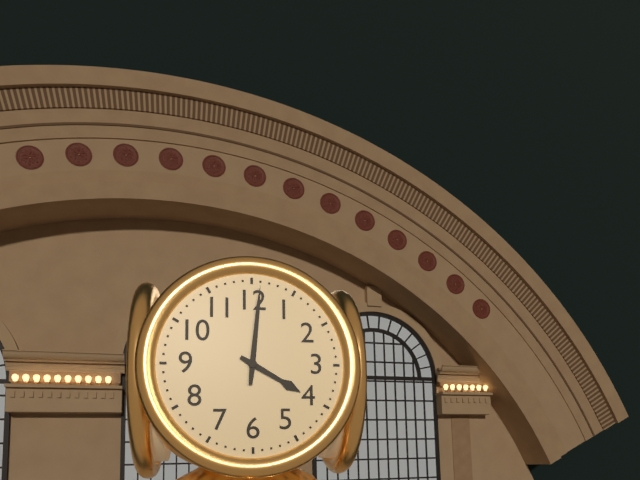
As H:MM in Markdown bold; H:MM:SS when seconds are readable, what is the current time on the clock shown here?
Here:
**4:01**
